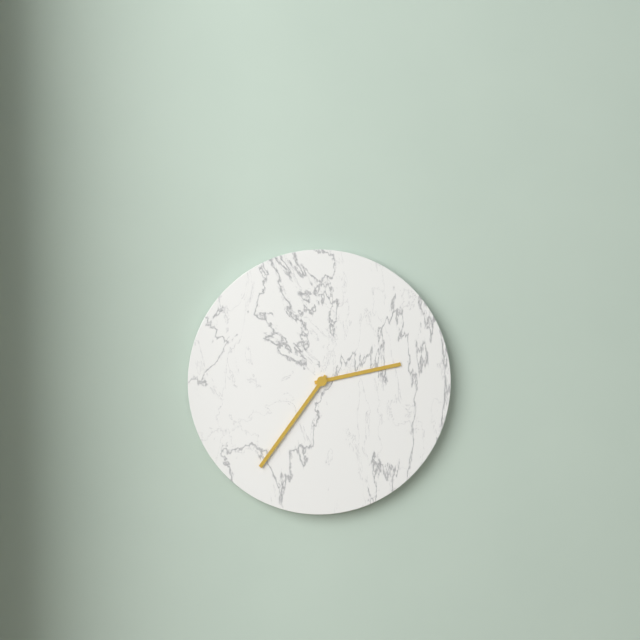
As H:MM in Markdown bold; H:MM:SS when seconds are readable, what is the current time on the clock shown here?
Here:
**2:36**
